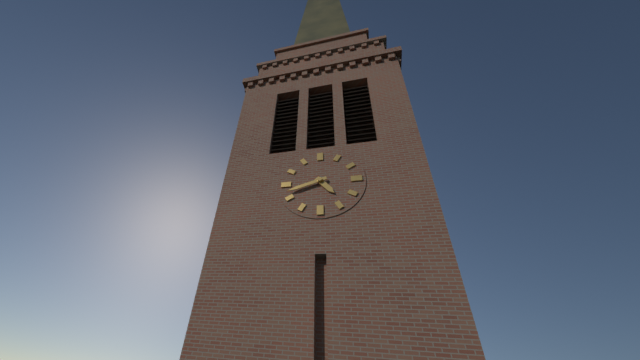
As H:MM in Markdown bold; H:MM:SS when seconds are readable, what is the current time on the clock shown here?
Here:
**4:42**
